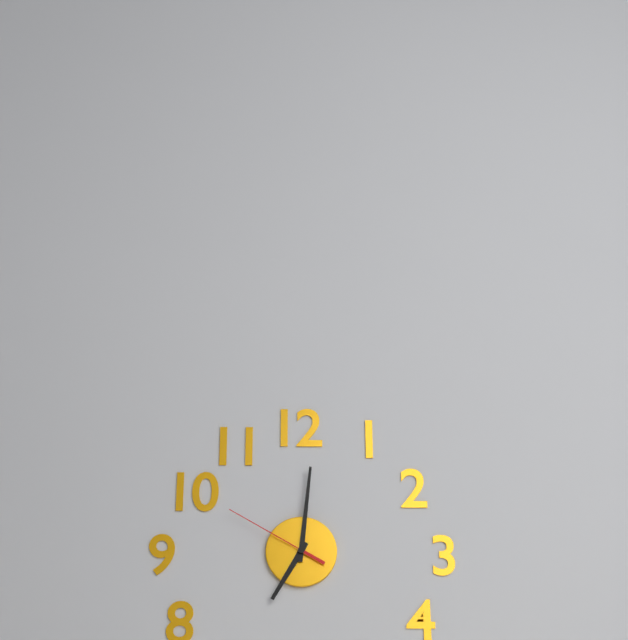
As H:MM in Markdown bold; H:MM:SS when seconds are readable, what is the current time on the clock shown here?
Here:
**7:01:50**
